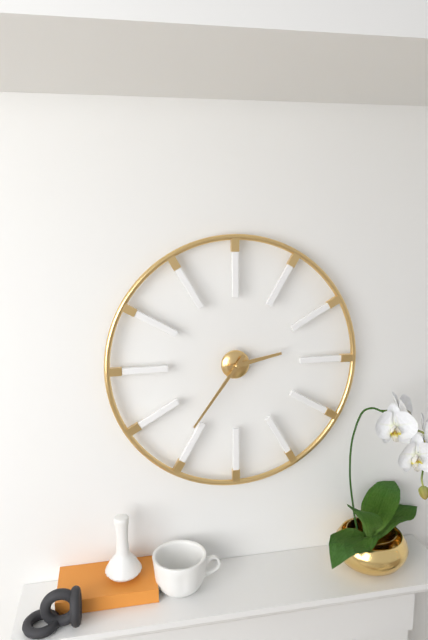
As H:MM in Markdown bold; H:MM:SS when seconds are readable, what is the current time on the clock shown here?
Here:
**2:36**
